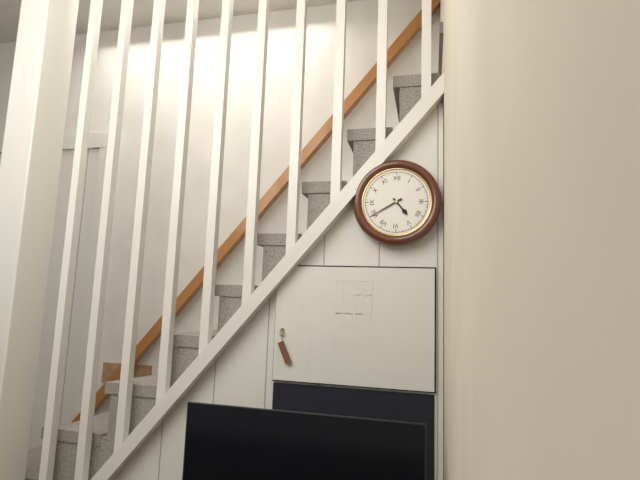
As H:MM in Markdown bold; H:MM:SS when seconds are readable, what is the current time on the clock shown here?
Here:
**4:40**
